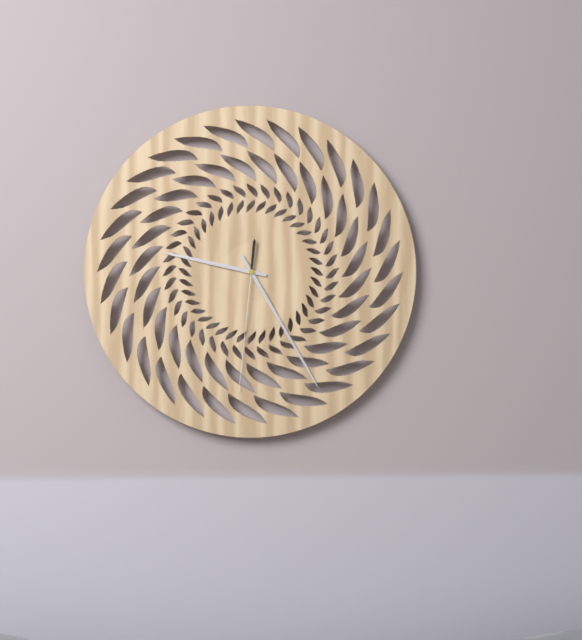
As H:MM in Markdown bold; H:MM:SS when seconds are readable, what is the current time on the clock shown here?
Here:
**9:25:31**
